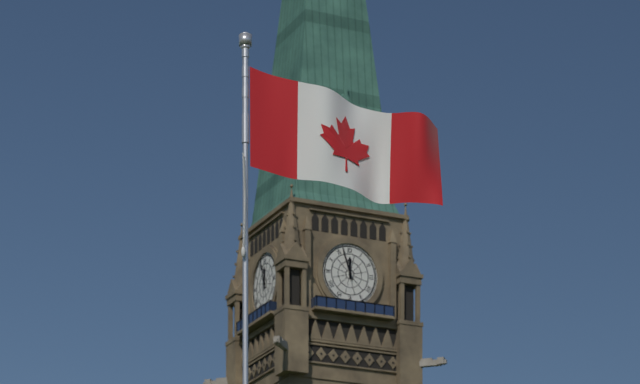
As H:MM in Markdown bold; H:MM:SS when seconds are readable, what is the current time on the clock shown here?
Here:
**11:57**
